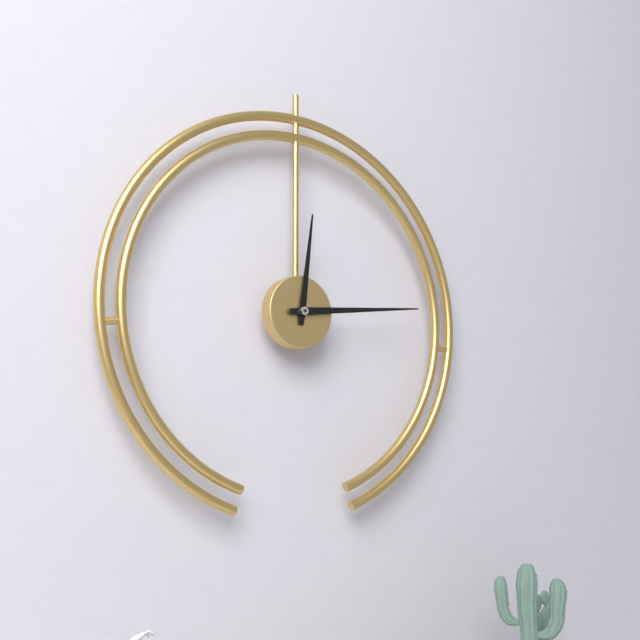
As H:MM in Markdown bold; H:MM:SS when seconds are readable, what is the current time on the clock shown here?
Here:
**12:14**
